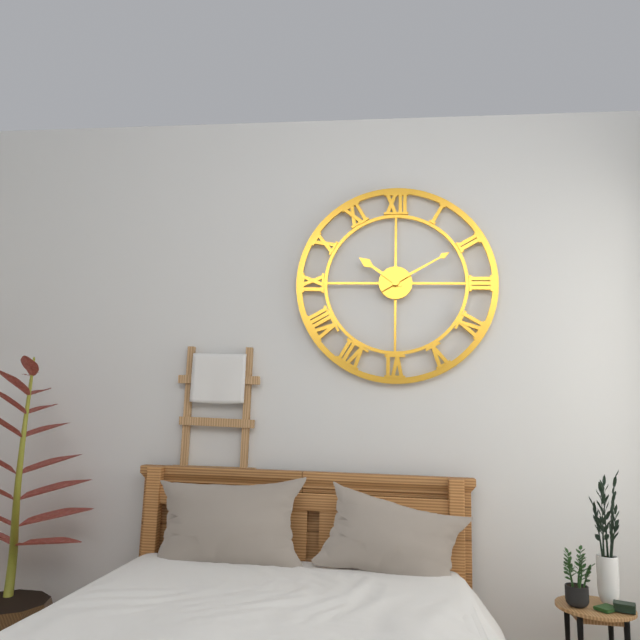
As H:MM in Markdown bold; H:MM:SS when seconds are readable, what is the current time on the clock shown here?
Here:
**10:10**
